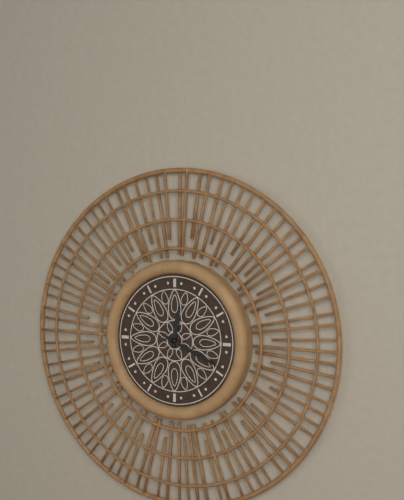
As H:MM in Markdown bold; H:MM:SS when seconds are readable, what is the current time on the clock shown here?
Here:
**12:19**
